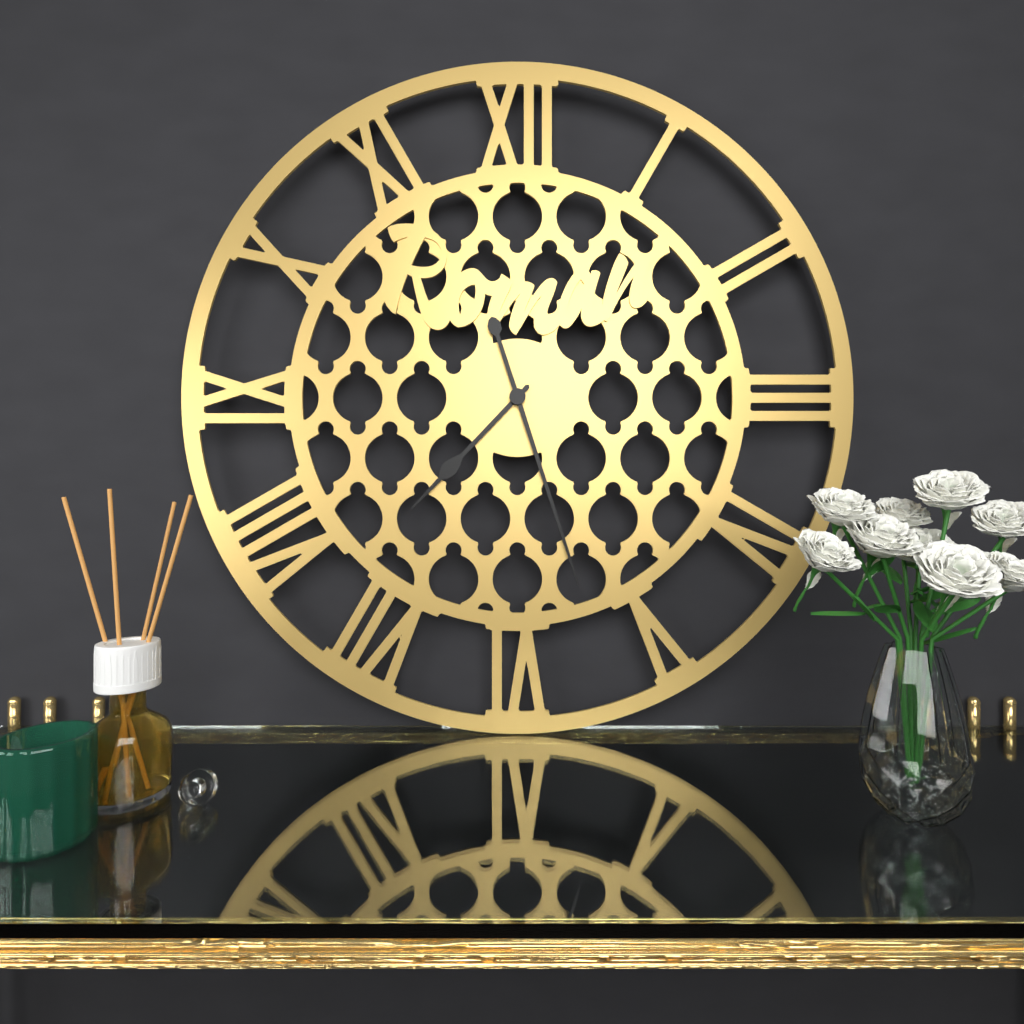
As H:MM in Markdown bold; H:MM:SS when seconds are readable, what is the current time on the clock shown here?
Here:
**7:27**
